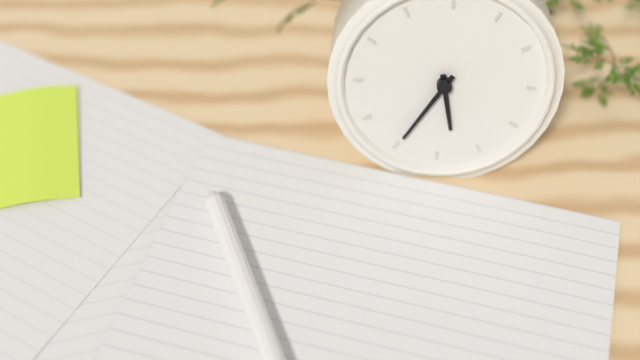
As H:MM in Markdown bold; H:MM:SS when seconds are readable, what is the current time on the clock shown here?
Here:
**5:35**
